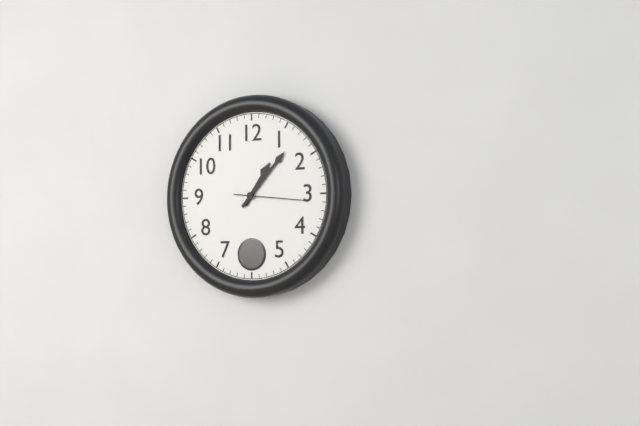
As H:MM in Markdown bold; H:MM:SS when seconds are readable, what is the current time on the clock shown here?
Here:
**1:07:16**
